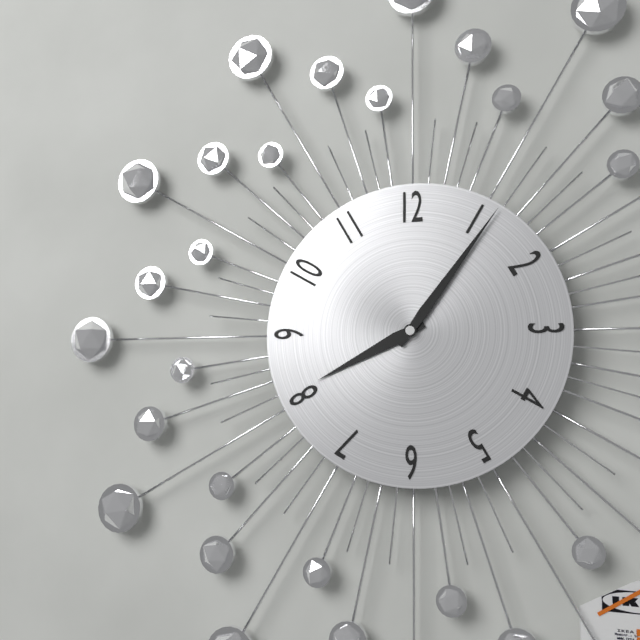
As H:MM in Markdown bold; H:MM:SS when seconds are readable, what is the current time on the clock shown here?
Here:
**8:06**
